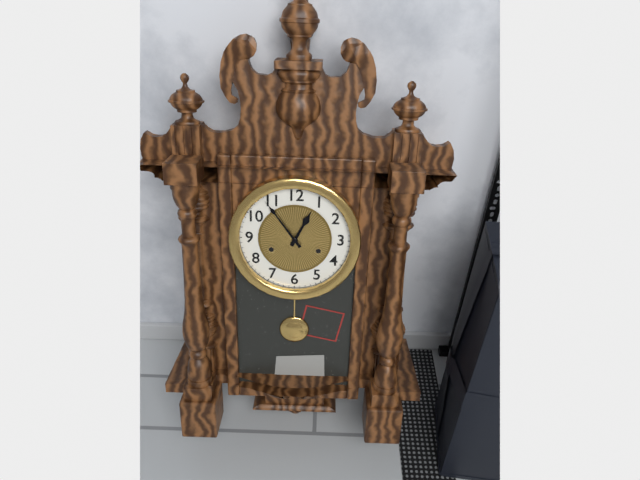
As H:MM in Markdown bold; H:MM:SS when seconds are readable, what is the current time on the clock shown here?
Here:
**12:54**
